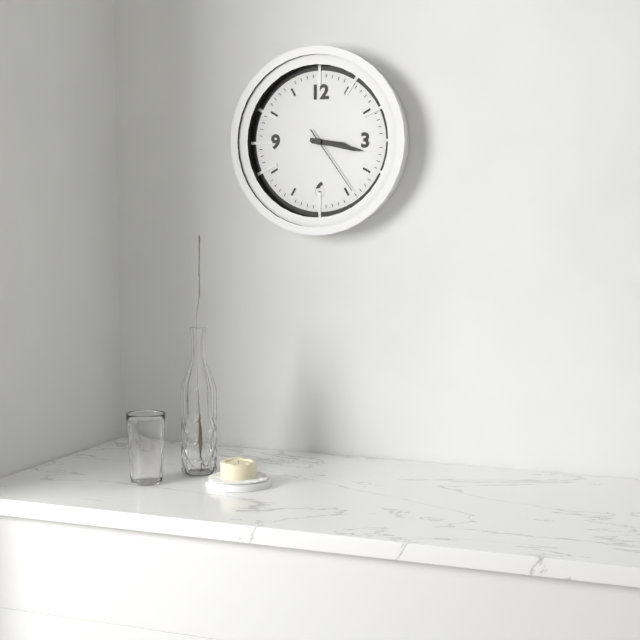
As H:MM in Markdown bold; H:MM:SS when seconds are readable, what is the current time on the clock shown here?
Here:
**3:17:24**
